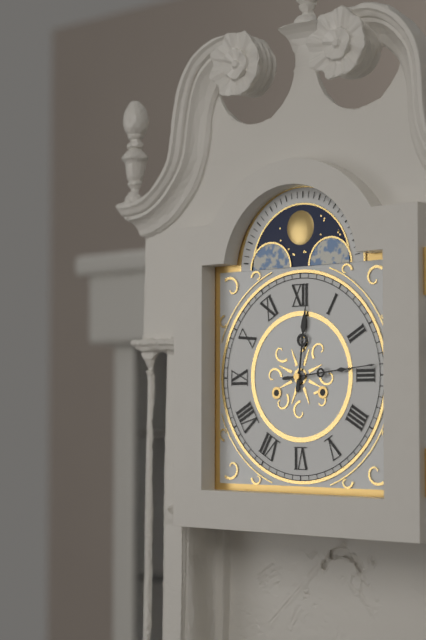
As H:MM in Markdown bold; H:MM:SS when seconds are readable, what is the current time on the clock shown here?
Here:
**12:14**
